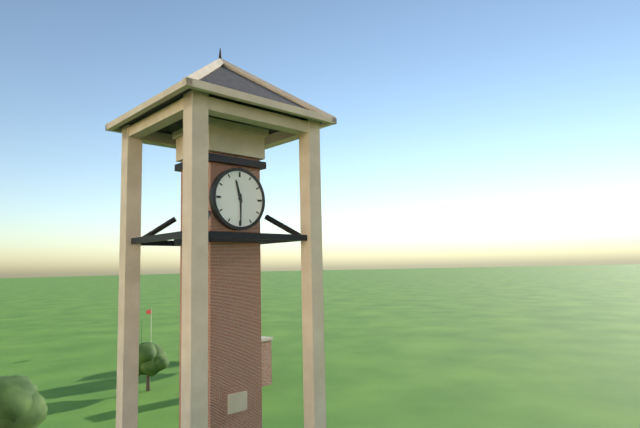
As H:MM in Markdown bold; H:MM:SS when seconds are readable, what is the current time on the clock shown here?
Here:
**11:30**
